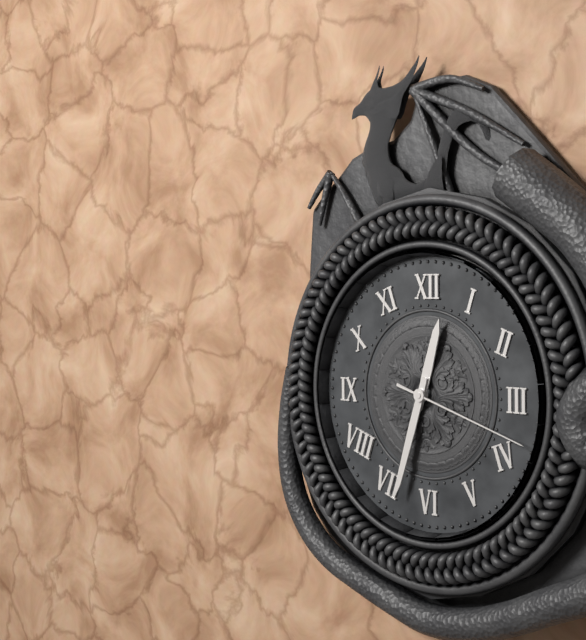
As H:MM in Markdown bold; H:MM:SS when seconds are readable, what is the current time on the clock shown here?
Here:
**12:33:18**
